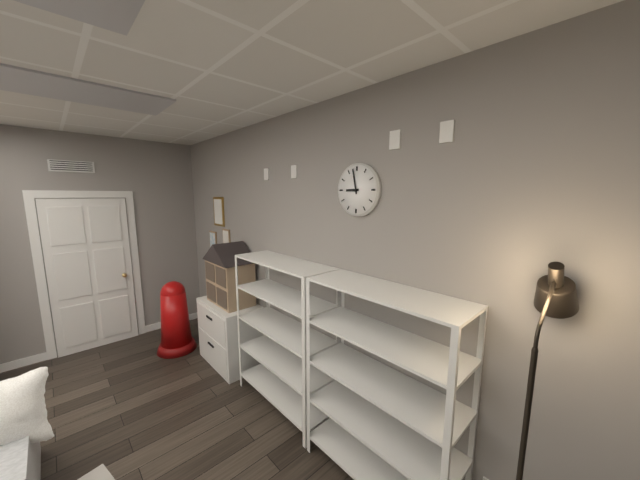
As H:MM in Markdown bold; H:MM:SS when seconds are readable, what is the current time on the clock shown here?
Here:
**8:58**
